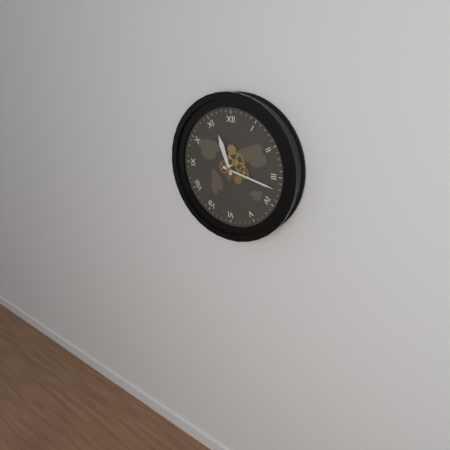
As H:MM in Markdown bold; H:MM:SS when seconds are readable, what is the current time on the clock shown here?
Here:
**11:17**
